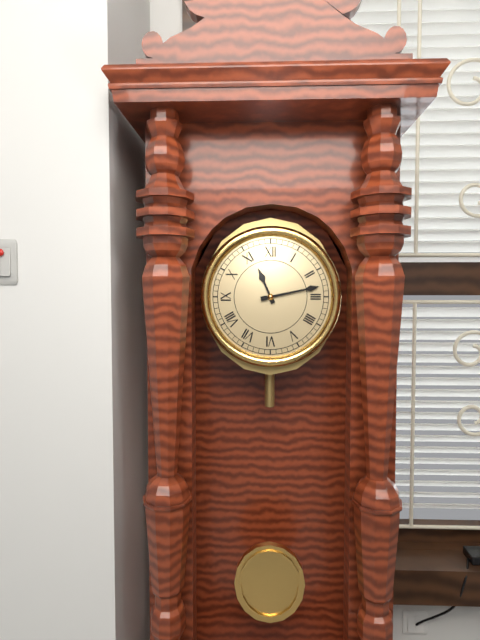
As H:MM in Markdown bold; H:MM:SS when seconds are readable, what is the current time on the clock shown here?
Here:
**11:13**
